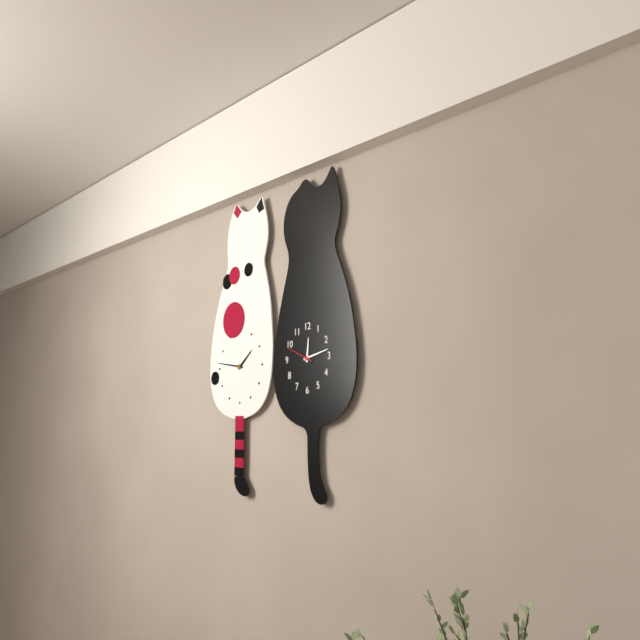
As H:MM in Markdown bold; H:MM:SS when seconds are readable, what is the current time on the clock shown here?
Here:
**12:13**
